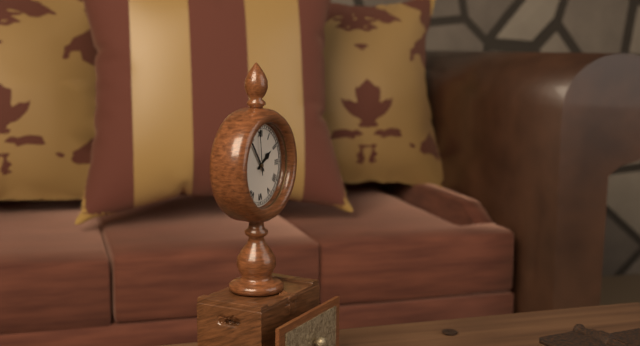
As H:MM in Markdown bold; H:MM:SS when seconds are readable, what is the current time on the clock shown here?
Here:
**1:54**
